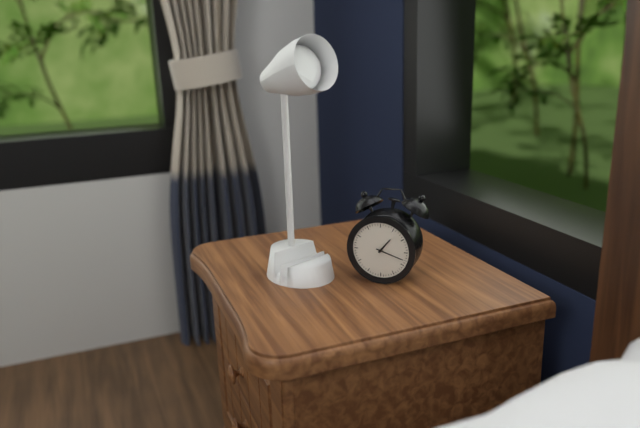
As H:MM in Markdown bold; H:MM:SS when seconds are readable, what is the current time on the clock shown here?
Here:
**1:18**
